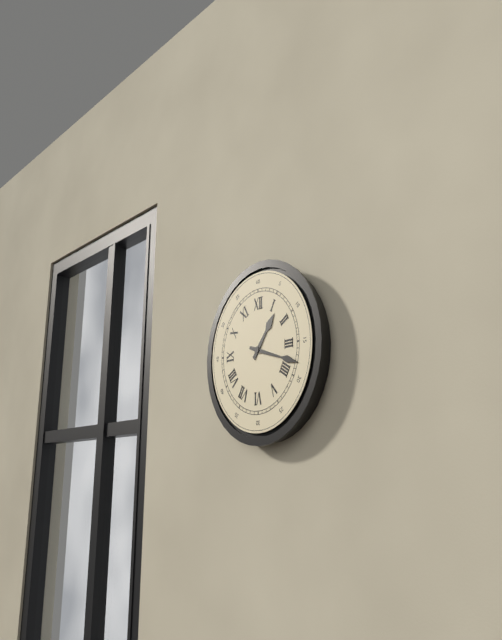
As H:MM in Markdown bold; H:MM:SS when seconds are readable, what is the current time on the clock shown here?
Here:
**1:18**
